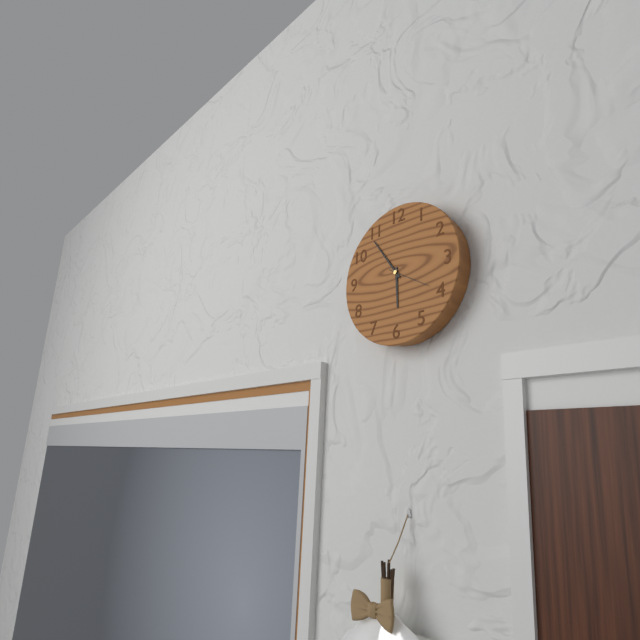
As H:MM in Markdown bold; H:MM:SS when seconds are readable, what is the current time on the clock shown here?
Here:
**5:54**
